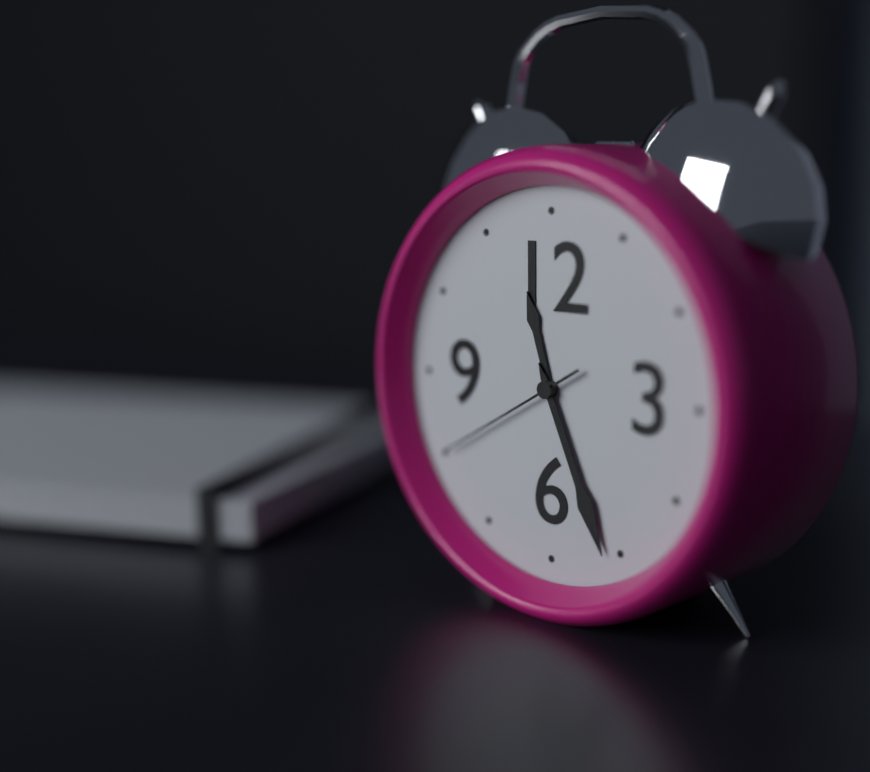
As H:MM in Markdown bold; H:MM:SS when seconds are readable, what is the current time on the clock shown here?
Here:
**11:26:40**
